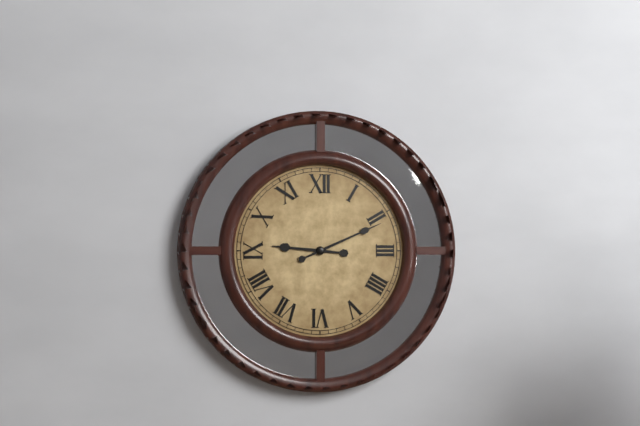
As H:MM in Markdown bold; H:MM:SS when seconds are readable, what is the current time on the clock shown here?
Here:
**9:11**
